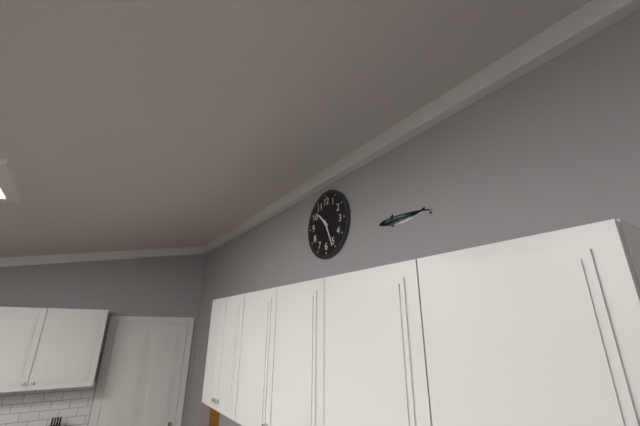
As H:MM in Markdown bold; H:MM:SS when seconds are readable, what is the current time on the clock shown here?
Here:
**10:26**
